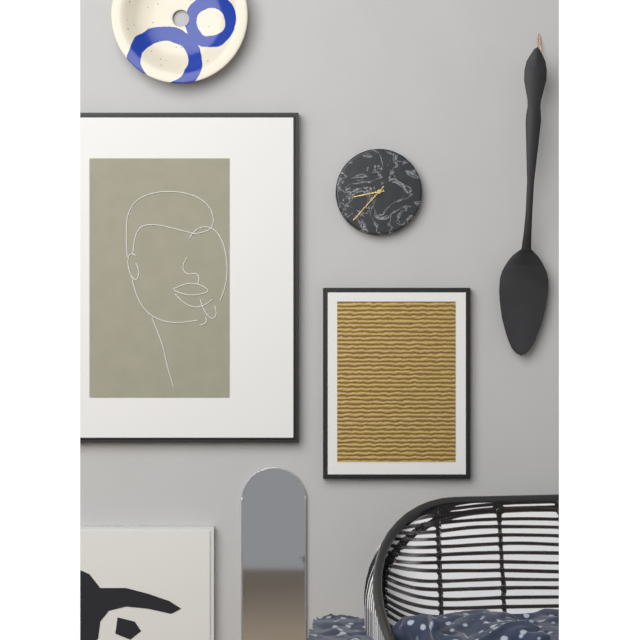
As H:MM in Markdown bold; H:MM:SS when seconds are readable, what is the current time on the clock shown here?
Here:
**8:37**
